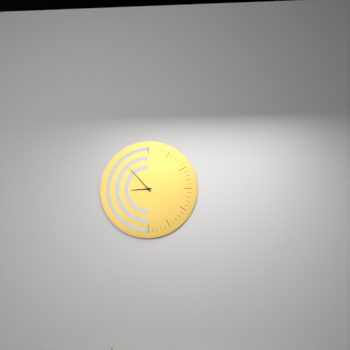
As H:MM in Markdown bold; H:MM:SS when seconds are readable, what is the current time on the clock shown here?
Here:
**8:53**
